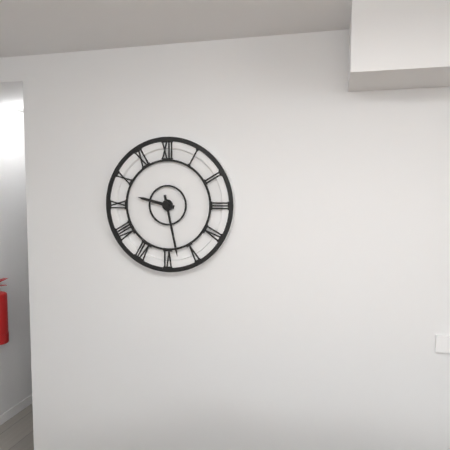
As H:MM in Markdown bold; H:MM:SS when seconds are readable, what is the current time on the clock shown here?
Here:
**9:28**
